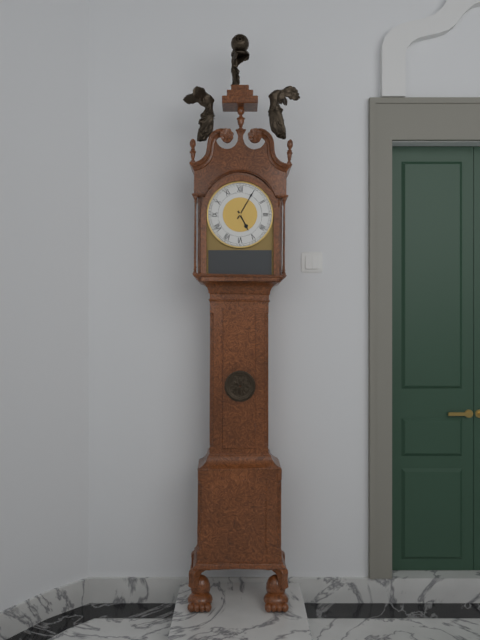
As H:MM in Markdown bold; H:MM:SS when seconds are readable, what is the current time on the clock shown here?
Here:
**5:05**
